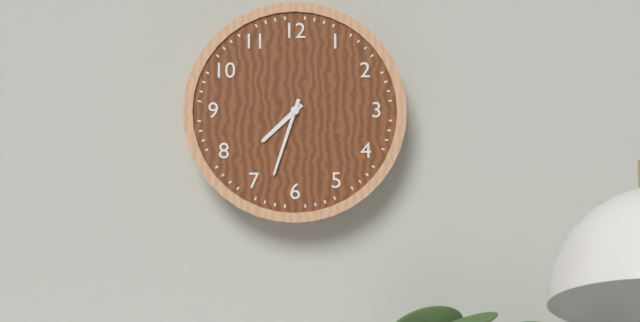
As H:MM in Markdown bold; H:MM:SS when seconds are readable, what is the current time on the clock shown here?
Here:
**7:33**
